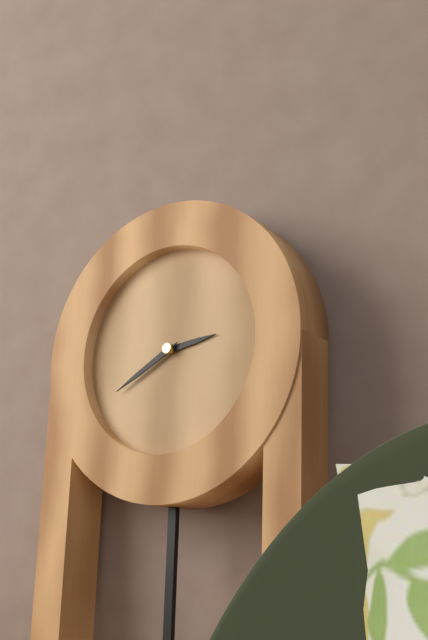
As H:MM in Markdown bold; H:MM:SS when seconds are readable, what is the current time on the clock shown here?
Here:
**2:40**
